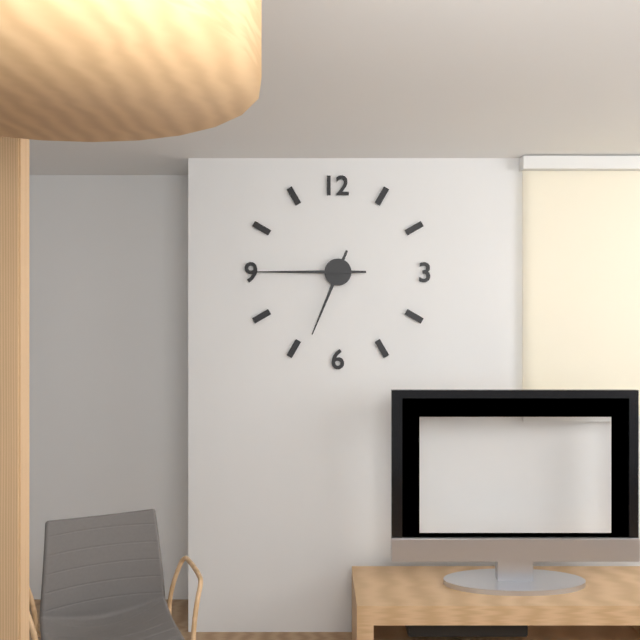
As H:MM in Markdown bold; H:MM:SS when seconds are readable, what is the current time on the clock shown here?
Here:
**6:45**
